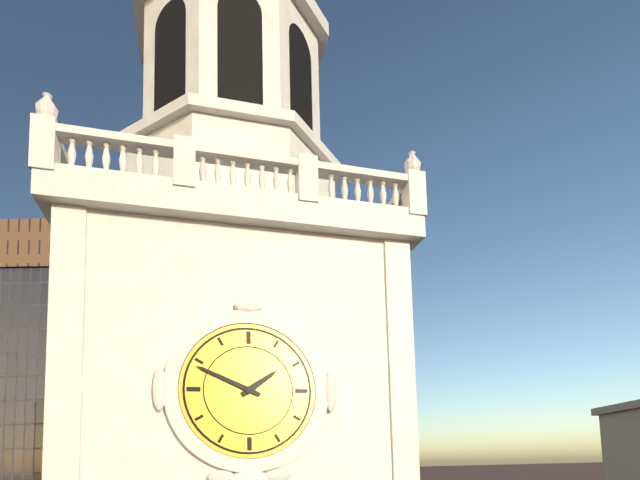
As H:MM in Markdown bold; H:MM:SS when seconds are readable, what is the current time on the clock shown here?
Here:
**1:49**
